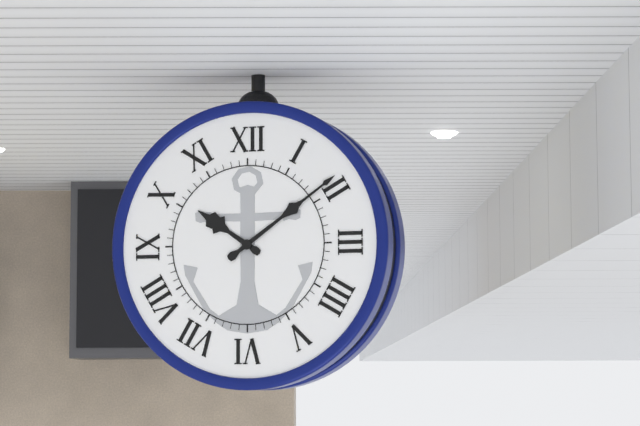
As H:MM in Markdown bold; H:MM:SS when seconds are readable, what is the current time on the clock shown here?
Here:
**10:09**
